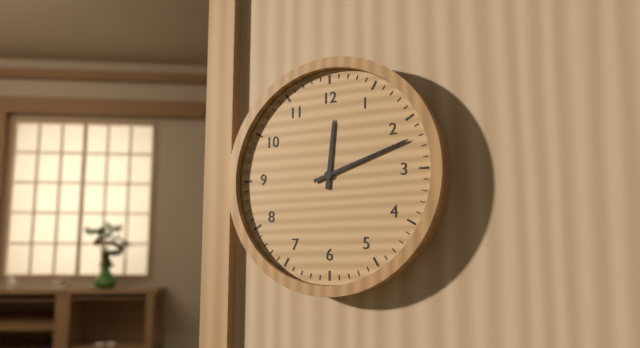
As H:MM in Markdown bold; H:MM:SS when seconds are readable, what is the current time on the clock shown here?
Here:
**12:12**
